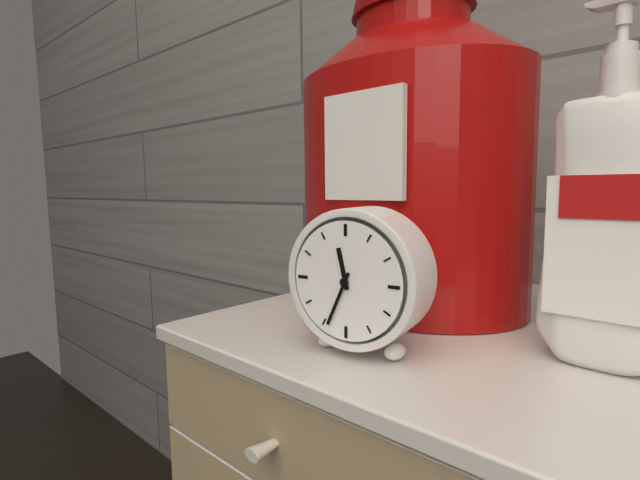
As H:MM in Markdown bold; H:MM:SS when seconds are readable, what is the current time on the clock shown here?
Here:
**11:34**
